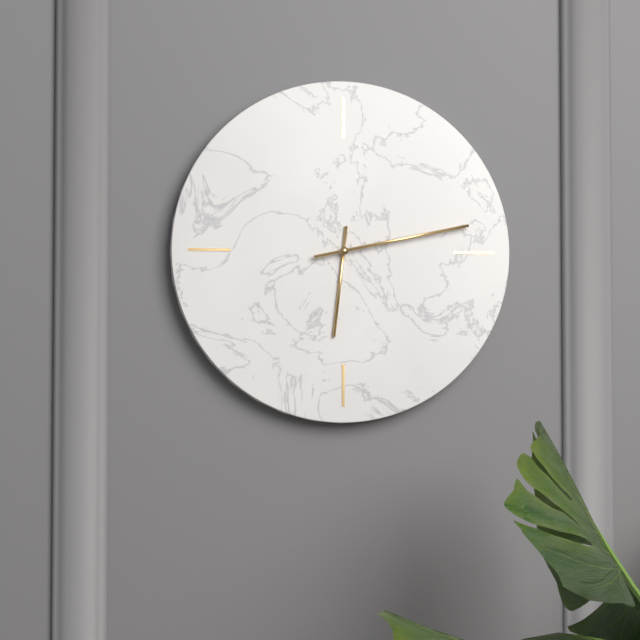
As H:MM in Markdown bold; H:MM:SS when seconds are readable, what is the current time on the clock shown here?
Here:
**6:13**
